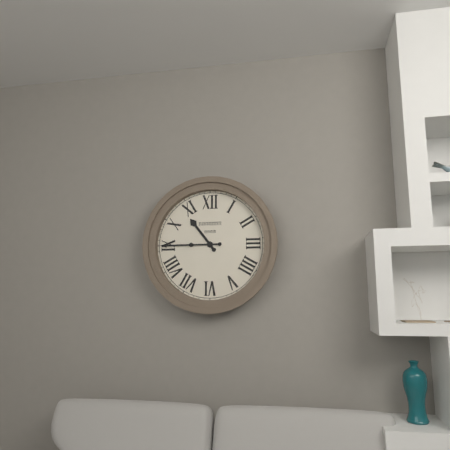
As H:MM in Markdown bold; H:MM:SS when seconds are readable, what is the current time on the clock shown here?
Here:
**10:45**
